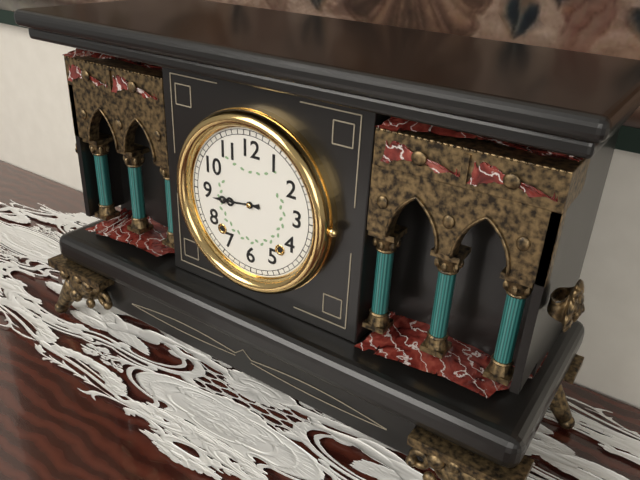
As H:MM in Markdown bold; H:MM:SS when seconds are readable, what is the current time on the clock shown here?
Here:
**8:44**
